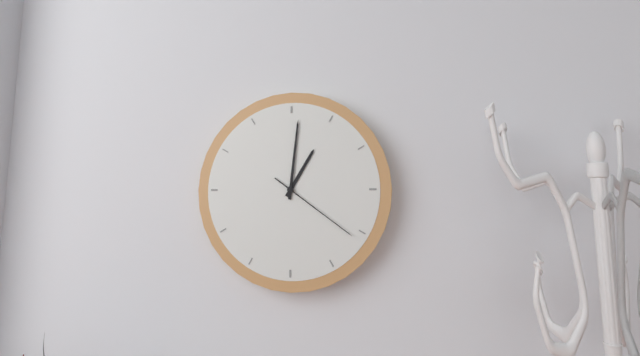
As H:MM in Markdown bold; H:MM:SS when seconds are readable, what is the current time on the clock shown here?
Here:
**1:01:21**
